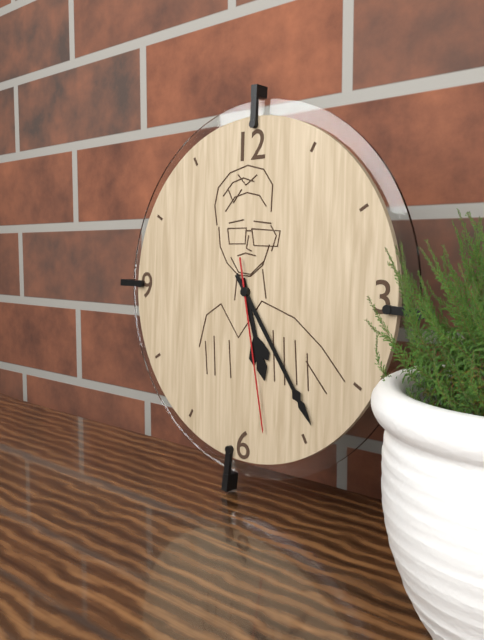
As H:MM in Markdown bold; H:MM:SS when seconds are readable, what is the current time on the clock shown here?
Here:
**5:24:28**
